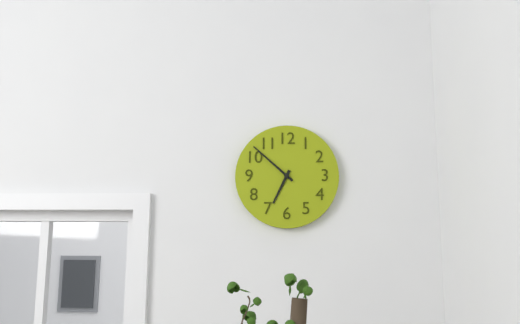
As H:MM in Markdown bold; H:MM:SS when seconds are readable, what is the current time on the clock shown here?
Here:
**6:52**
